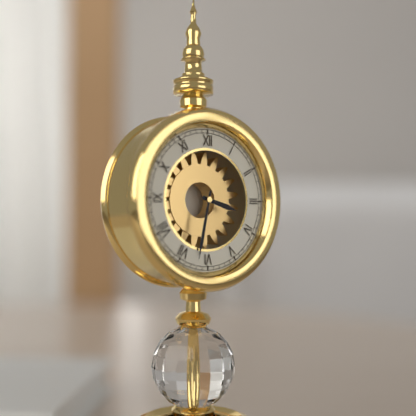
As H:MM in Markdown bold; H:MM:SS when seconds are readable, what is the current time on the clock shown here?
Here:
**3:32**
